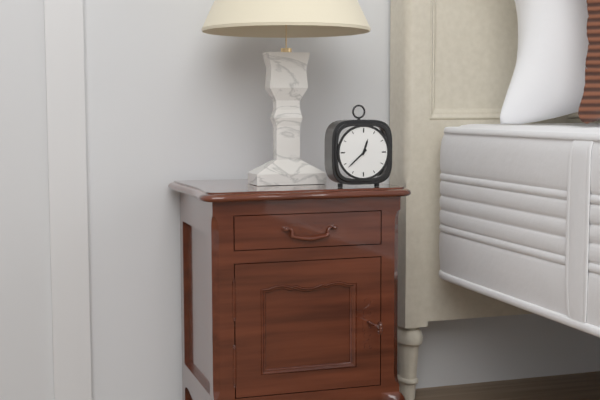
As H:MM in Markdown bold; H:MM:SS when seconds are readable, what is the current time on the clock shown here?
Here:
**12:38**
